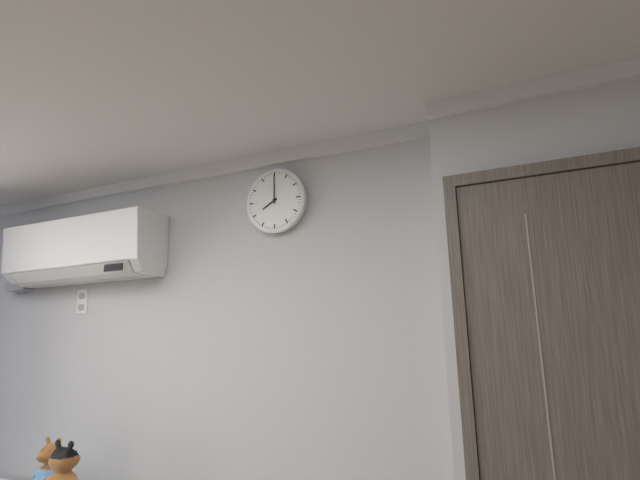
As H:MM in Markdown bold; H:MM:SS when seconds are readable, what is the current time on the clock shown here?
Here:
**8:00**
